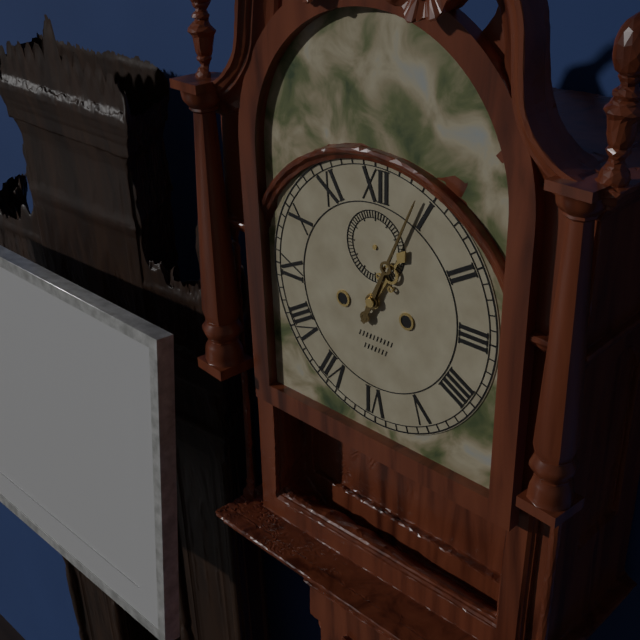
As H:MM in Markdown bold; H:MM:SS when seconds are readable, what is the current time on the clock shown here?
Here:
**1:04**
